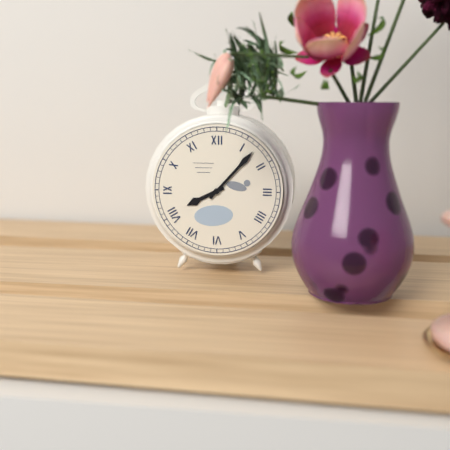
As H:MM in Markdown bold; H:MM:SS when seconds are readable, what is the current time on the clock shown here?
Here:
**8:07**
